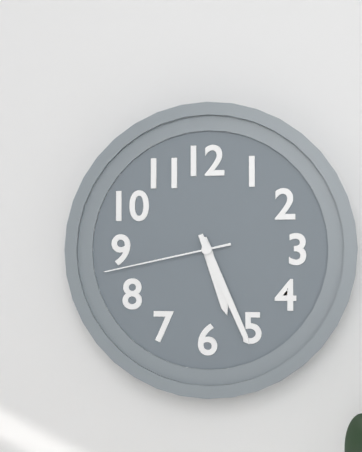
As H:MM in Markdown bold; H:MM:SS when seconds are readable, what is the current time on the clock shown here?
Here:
**5:26:43**
